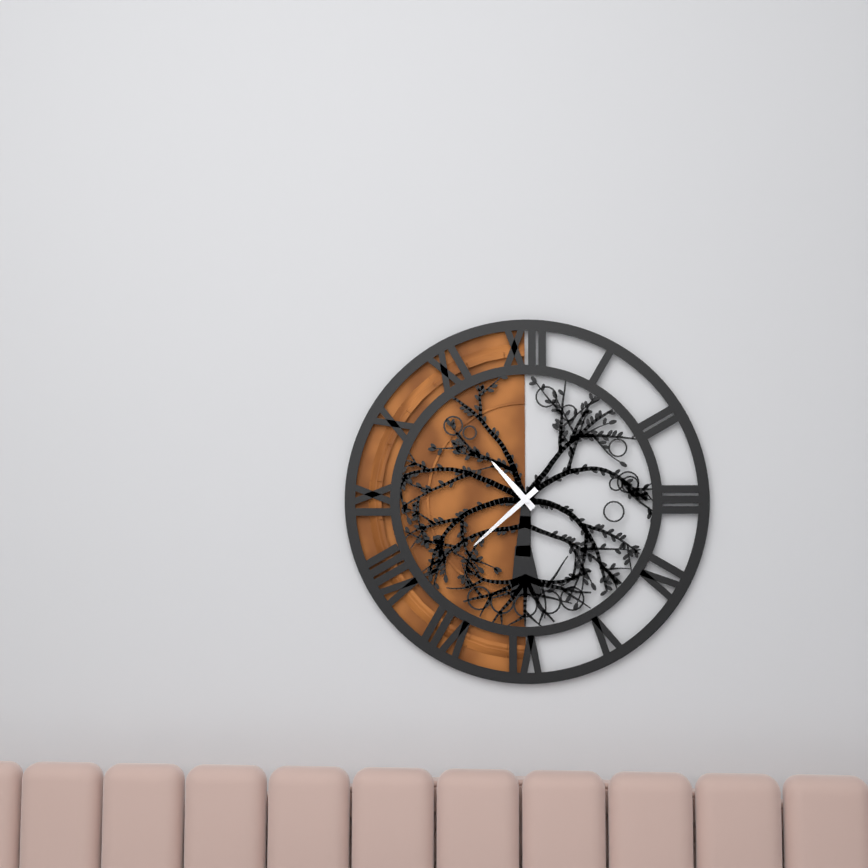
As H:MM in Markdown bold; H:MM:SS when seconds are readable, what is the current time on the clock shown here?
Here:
**10:38**
